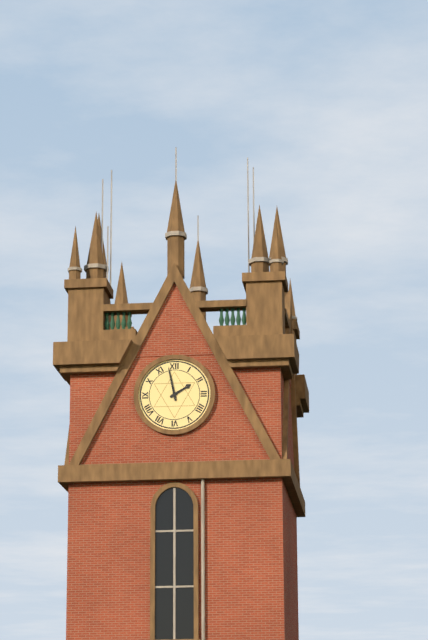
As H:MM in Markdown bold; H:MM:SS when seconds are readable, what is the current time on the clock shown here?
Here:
**1:58**
